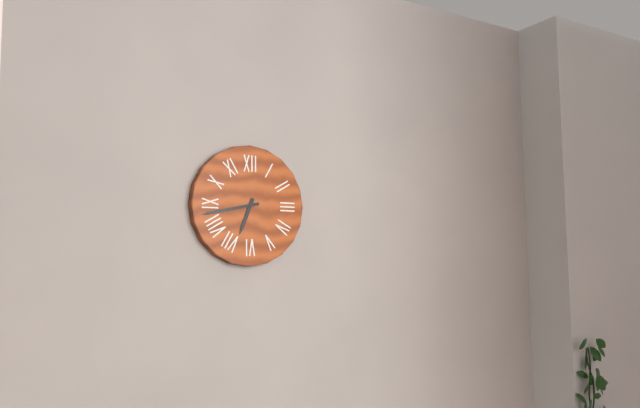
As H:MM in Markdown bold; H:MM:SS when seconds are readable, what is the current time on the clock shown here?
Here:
**6:43**
